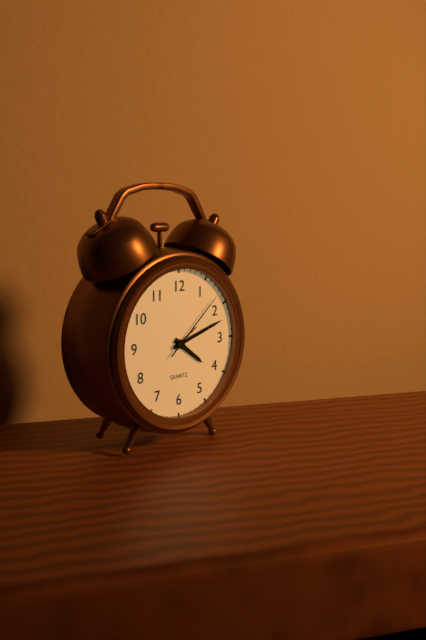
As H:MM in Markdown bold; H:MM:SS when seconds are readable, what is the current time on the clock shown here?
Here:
**4:12:08**
